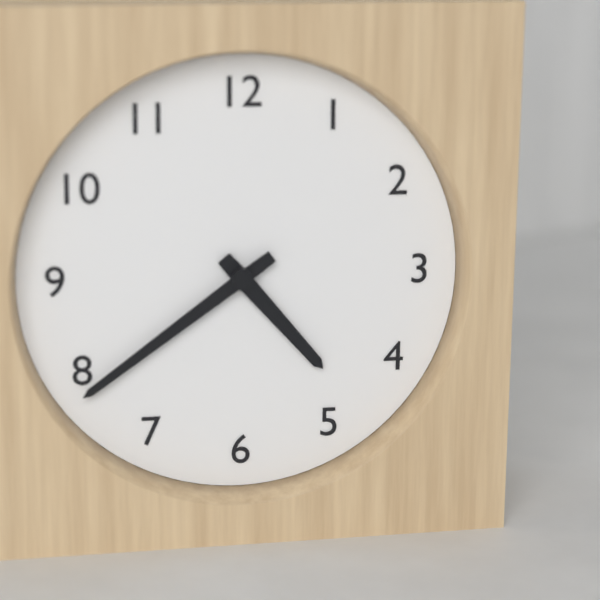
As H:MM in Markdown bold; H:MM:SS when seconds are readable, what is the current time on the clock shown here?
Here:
**4:39**
